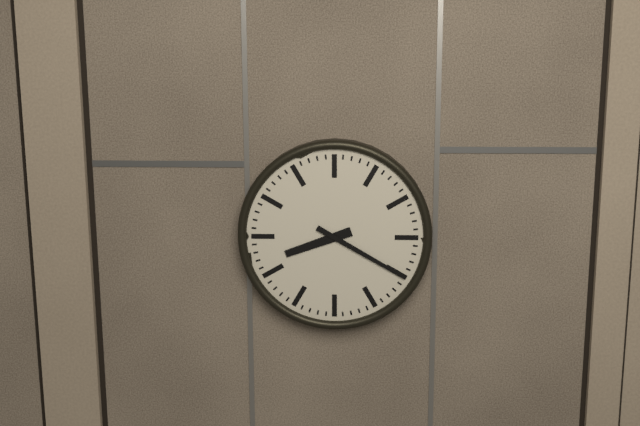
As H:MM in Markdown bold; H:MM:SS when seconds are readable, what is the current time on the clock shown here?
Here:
**8:20**
